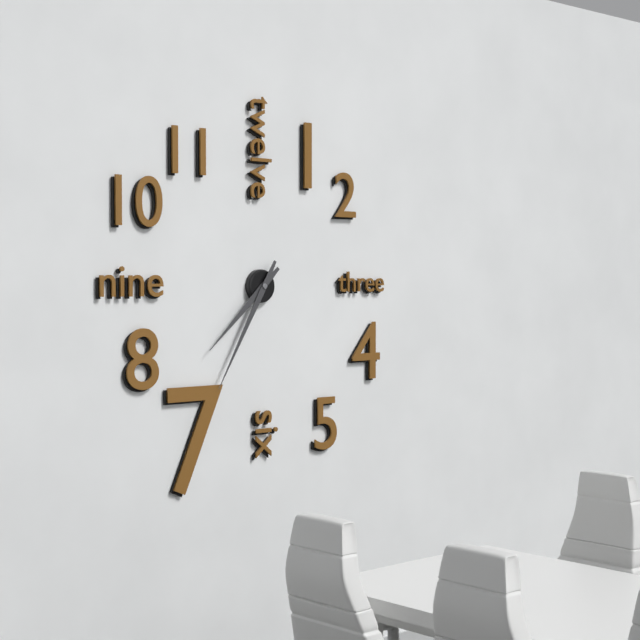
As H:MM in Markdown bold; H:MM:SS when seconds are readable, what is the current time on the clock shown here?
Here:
**7:35**
